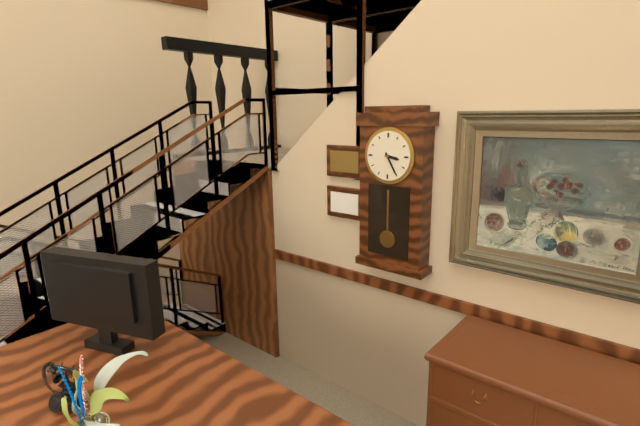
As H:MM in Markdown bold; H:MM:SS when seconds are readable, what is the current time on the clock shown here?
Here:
**3:25**
